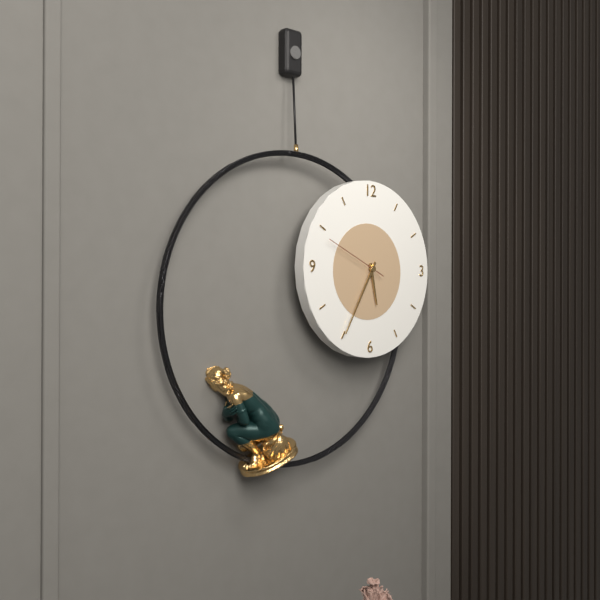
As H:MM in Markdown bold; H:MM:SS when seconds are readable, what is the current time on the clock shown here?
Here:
**5:35:49**
